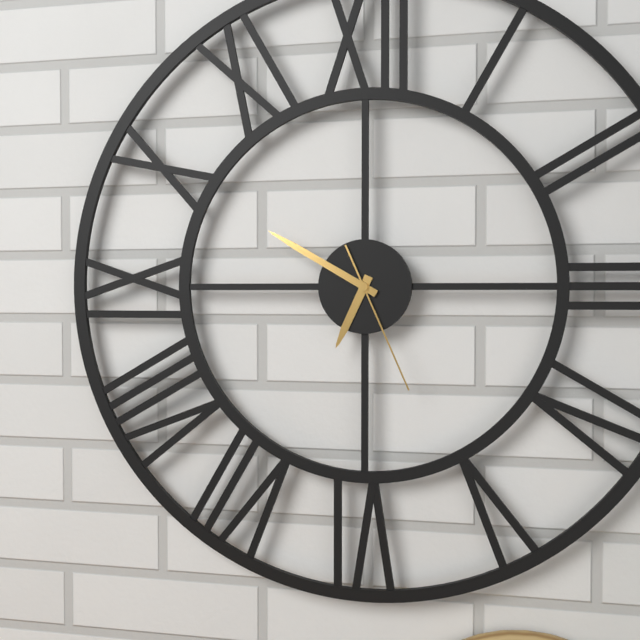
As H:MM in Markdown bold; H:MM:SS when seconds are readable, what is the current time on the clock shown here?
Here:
**6:50:26**
